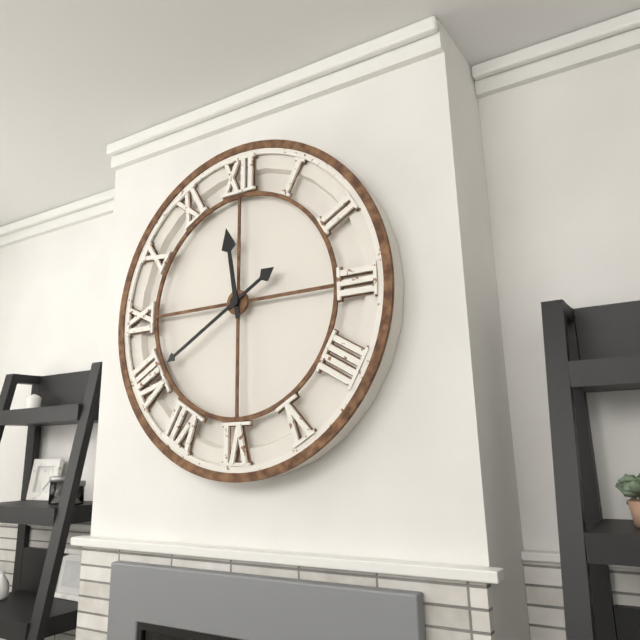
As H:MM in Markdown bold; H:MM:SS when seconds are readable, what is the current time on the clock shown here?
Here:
**11:40**
